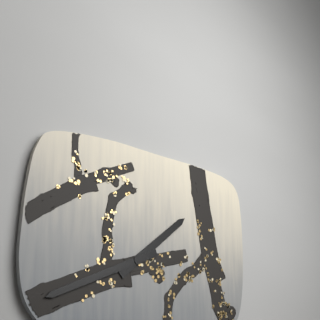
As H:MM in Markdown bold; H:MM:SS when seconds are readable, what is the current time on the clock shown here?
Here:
**1:41**
